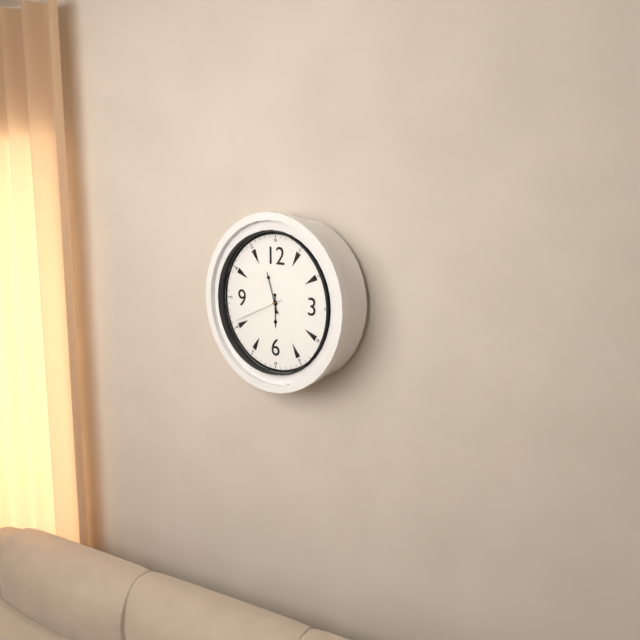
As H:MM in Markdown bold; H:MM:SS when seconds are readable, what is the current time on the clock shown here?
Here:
**5:57:41**
